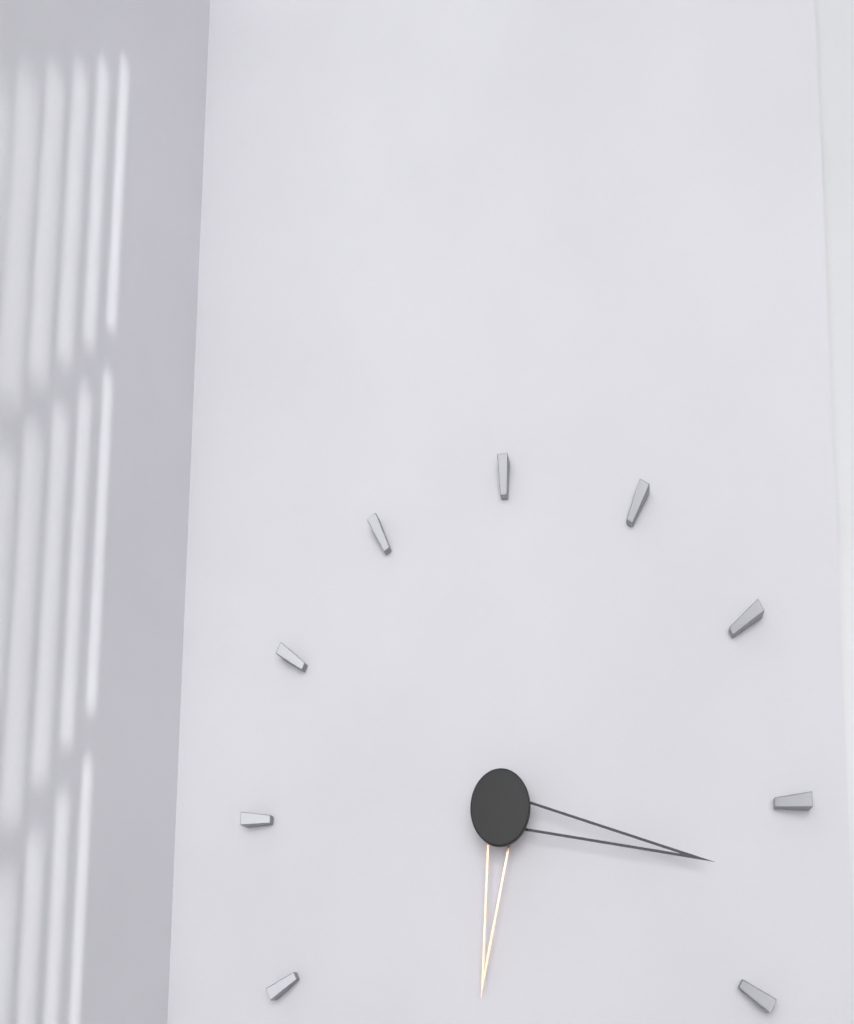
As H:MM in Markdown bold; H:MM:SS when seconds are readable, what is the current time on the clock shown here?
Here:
**6:17**
